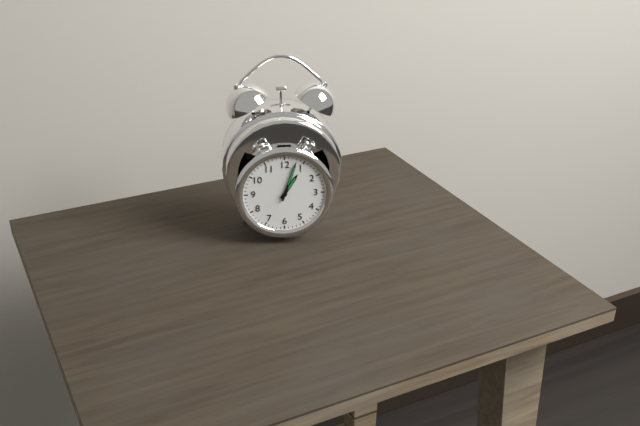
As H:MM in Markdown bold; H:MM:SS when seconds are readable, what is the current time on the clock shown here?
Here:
**1:03**
